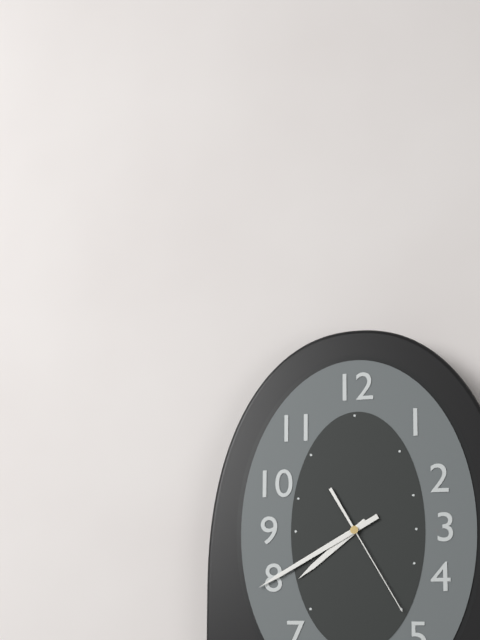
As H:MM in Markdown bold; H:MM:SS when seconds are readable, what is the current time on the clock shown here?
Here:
**7:40:25**
